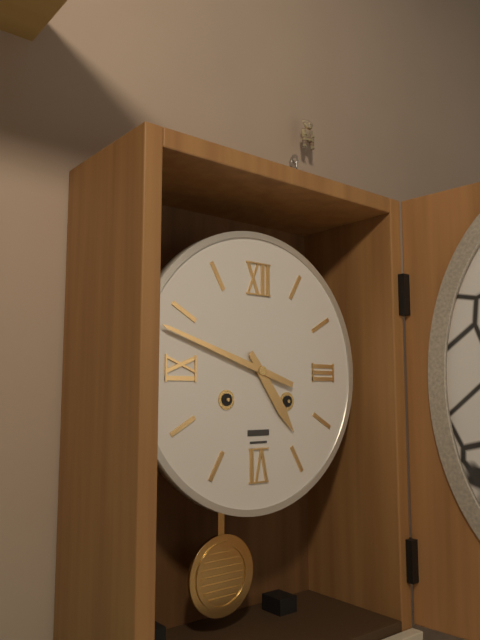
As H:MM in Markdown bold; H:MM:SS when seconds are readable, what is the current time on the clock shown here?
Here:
**4:48**
